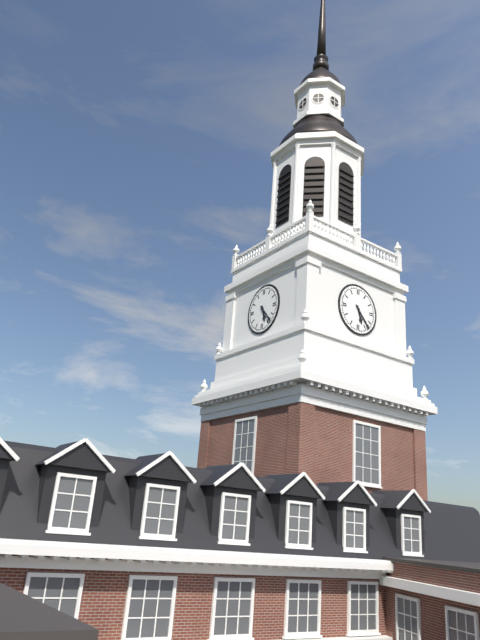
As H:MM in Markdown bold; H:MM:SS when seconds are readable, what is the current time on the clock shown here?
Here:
**5:23**
